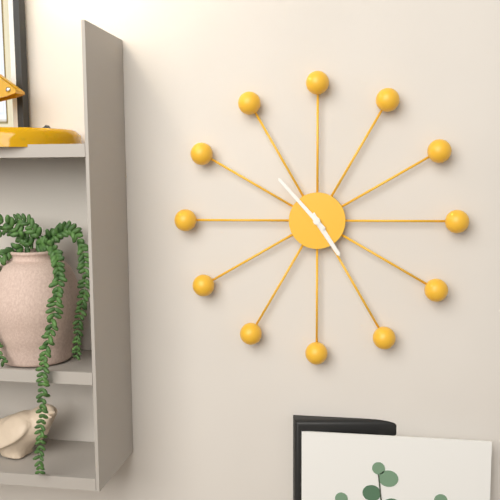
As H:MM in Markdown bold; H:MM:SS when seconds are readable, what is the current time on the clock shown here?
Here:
**4:53**
